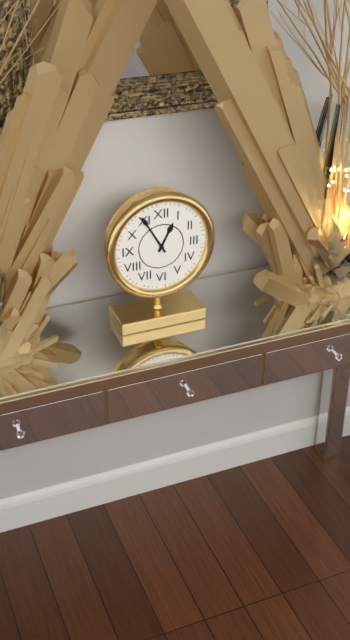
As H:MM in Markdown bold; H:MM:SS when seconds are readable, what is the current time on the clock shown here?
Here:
**12:55**
